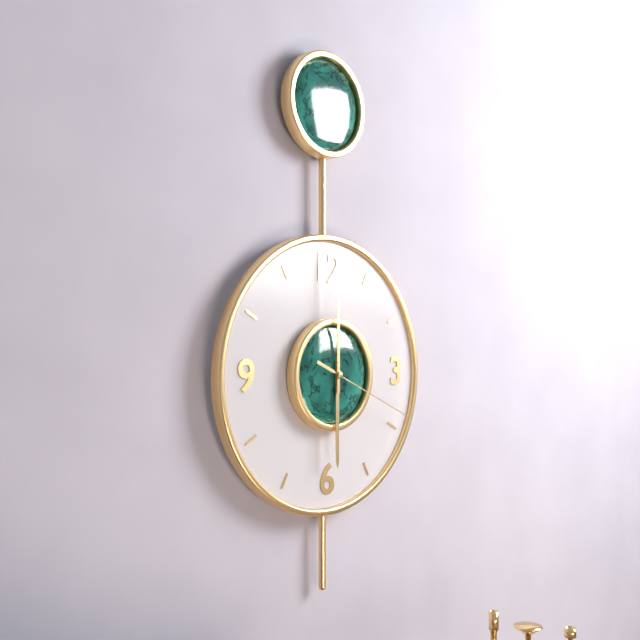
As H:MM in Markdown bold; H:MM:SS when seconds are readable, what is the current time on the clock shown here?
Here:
**6:00:19**
